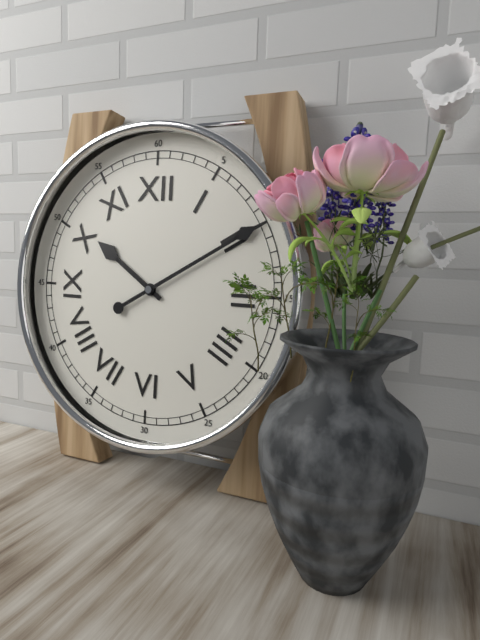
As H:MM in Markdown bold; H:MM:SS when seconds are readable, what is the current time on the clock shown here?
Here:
**10:10**
